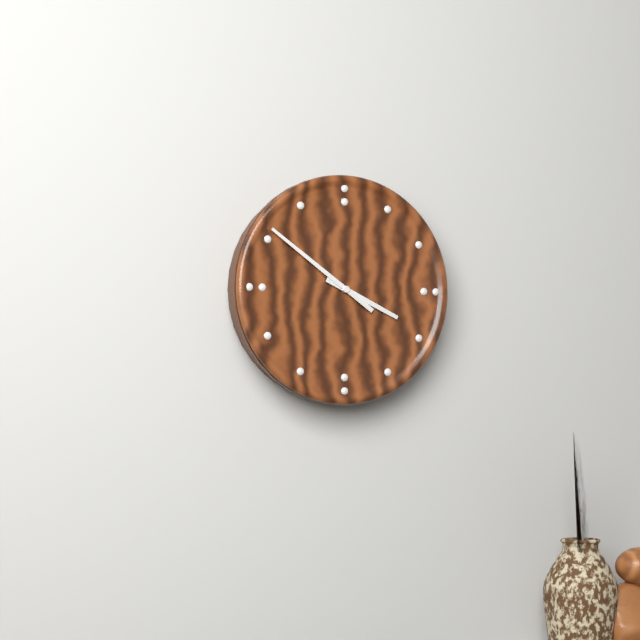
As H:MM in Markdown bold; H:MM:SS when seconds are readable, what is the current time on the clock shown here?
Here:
**3:51**
